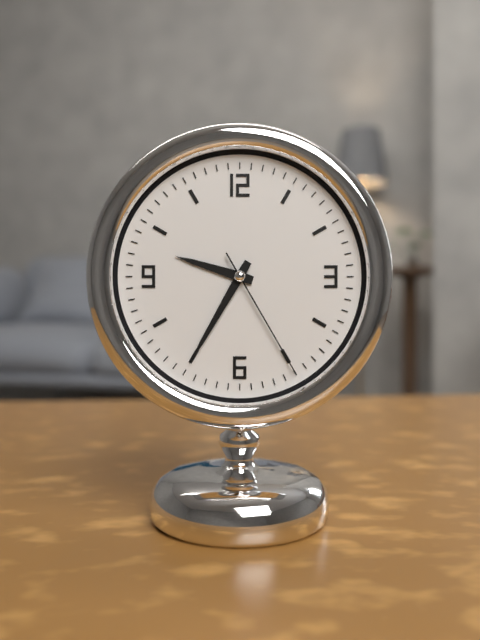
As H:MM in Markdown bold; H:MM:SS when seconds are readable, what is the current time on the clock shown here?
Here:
**9:35:25**
